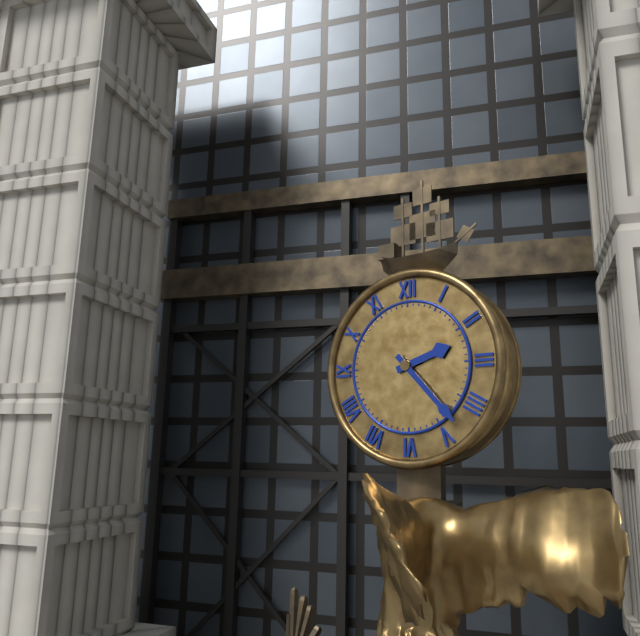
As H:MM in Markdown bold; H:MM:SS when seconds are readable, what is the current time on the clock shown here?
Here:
**2:23**
